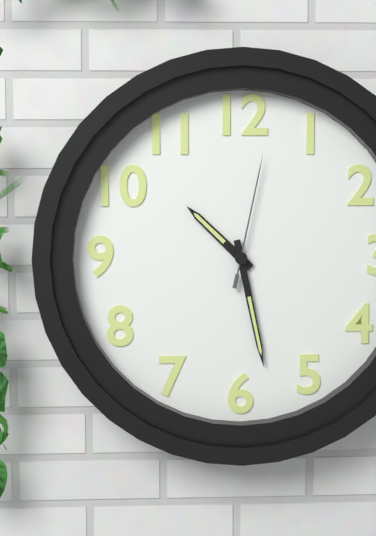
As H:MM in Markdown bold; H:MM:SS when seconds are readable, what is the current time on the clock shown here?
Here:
**10:28:02**
